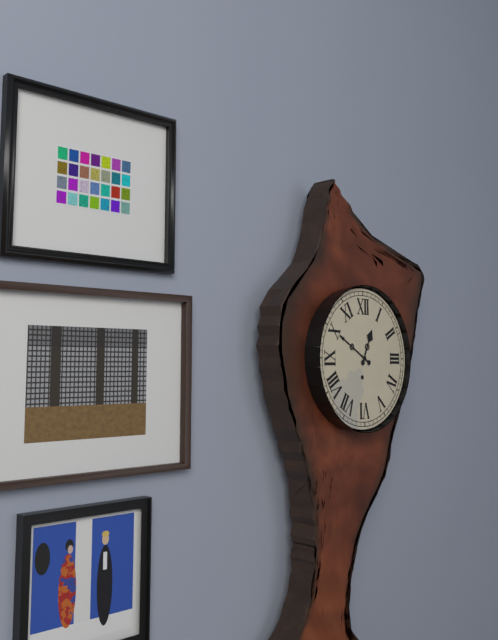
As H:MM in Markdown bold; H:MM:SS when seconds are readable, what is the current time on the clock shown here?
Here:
**12:50**
